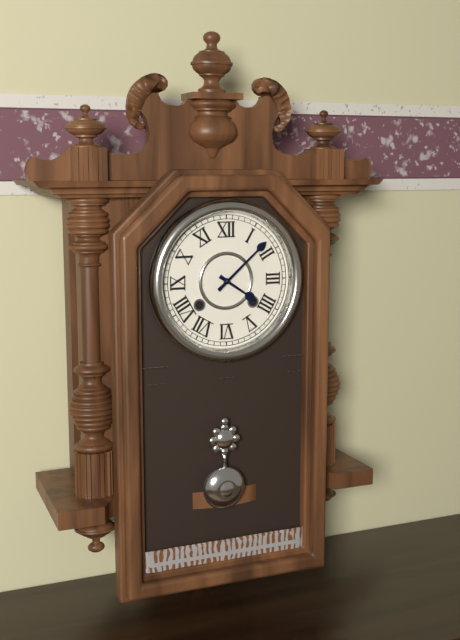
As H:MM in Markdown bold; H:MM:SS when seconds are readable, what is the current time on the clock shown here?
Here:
**4:08**
